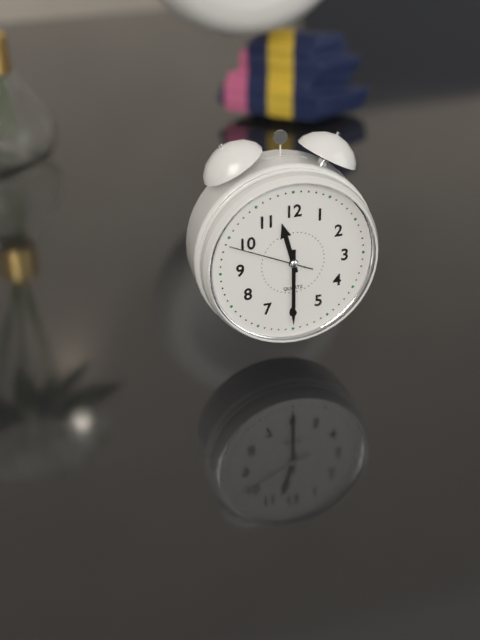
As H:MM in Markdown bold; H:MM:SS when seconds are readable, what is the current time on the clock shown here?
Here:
**11:30:49**
